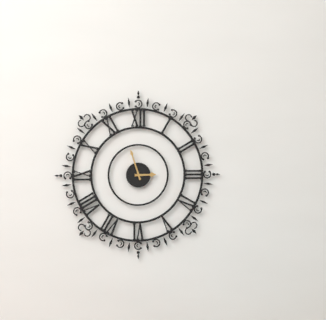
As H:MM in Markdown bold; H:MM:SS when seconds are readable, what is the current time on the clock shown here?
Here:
**2:57**
